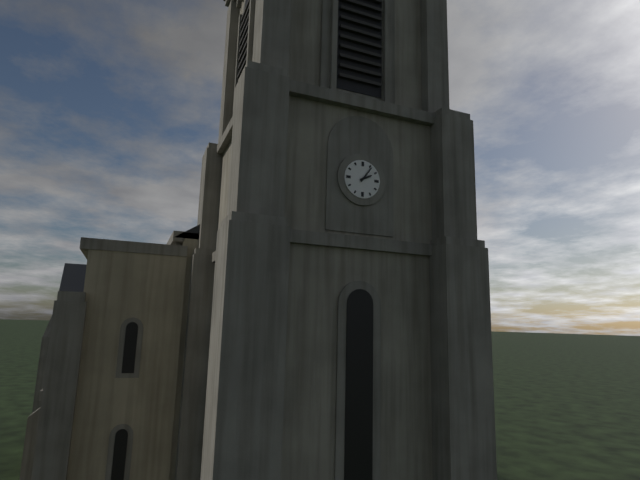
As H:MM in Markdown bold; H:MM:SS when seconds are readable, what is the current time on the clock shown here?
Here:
**2:06**
